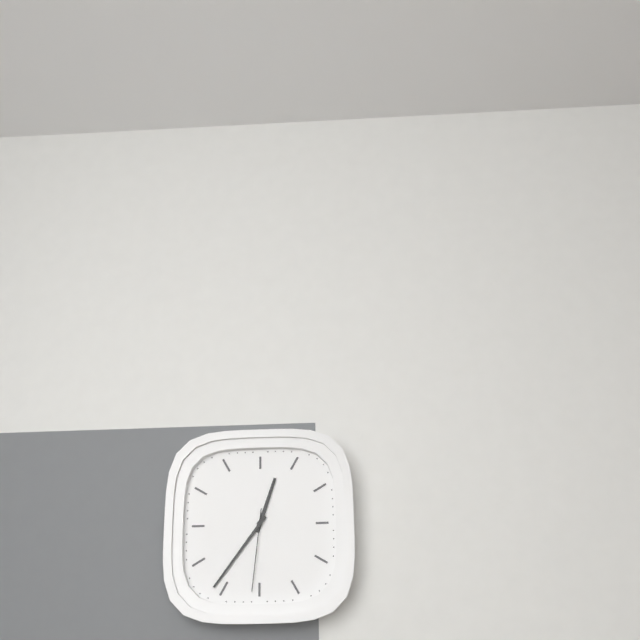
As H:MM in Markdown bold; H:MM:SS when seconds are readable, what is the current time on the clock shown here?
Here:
**12:36:31**
